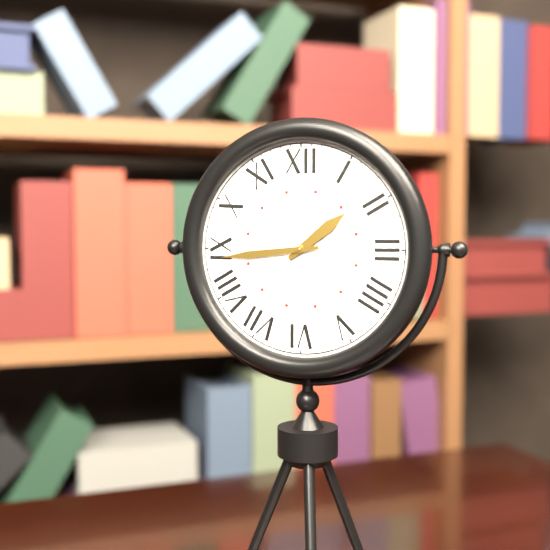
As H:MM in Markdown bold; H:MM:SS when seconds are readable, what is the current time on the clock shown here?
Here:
**1:44**
